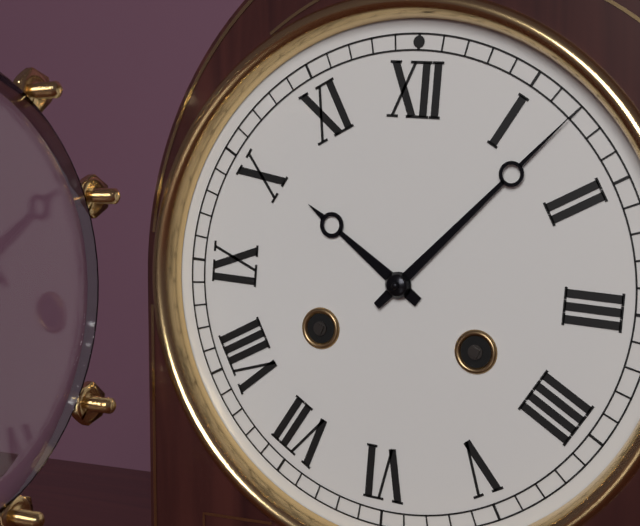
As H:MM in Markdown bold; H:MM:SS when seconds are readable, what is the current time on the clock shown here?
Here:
**10:07**
